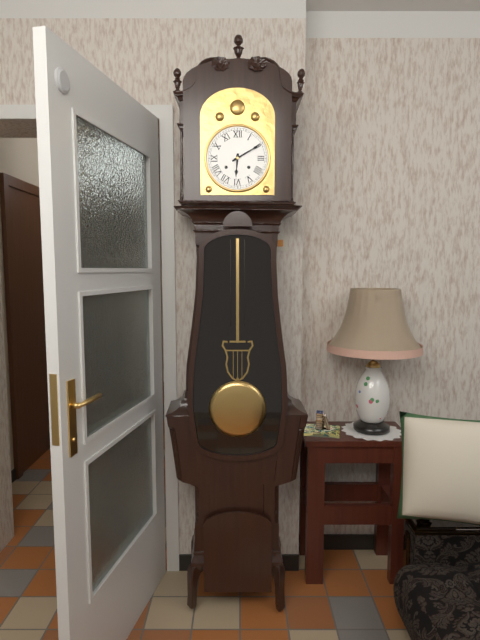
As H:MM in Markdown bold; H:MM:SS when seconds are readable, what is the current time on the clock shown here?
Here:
**6:10**
